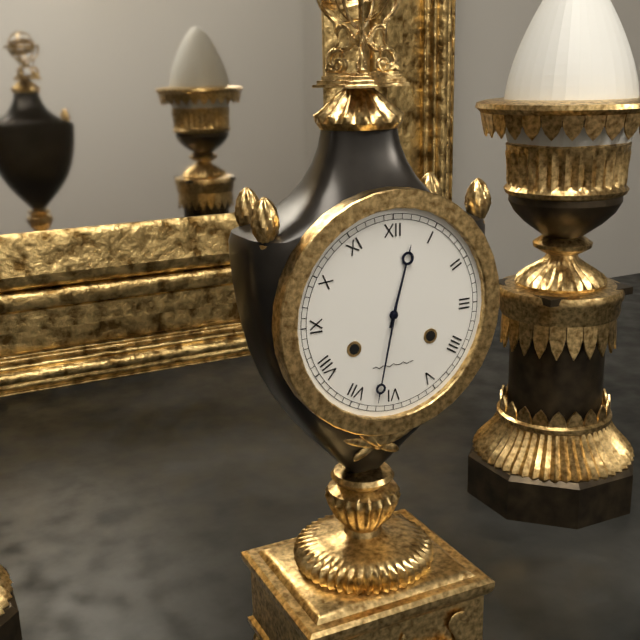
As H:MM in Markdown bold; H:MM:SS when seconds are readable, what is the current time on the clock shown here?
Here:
**12:32**
